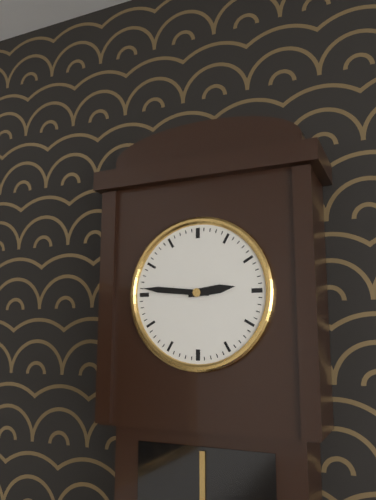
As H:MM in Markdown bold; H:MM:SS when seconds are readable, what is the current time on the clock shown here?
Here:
**2:46**
